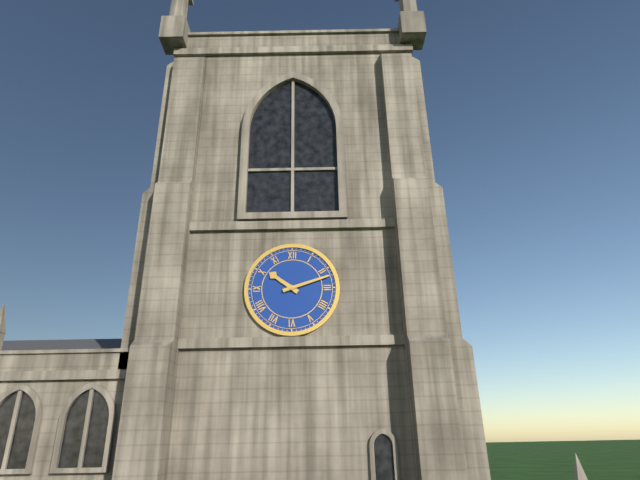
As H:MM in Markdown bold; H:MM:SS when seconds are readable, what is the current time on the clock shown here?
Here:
**10:12**
